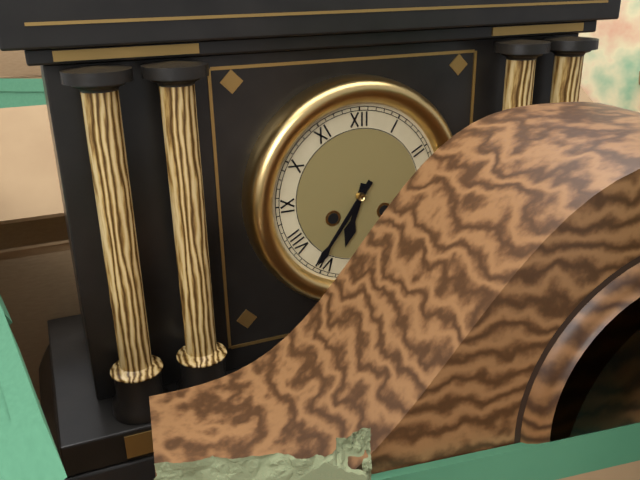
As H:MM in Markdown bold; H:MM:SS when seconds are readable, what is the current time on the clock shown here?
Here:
**6:36**
